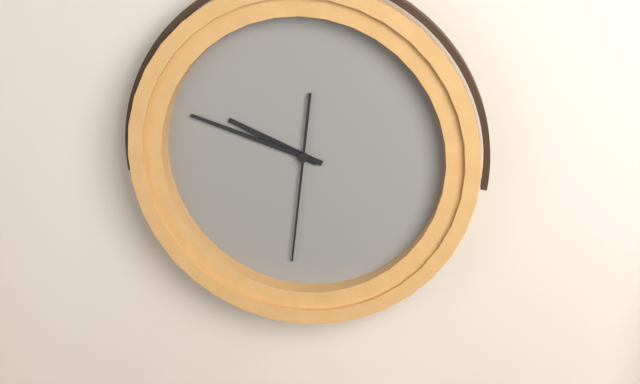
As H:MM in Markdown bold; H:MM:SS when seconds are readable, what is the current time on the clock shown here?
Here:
**9:48:31**
